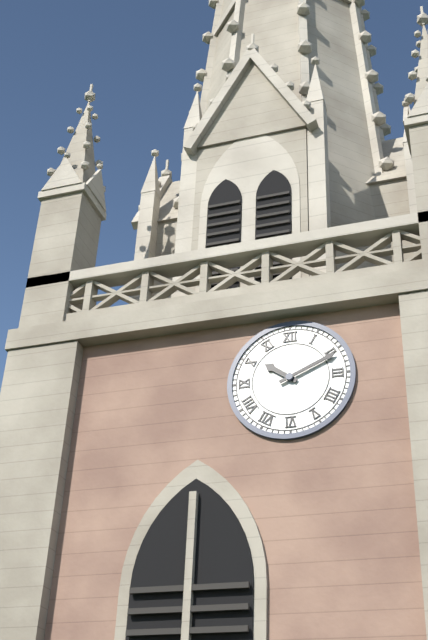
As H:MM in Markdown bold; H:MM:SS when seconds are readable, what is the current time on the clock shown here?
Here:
**10:11**
